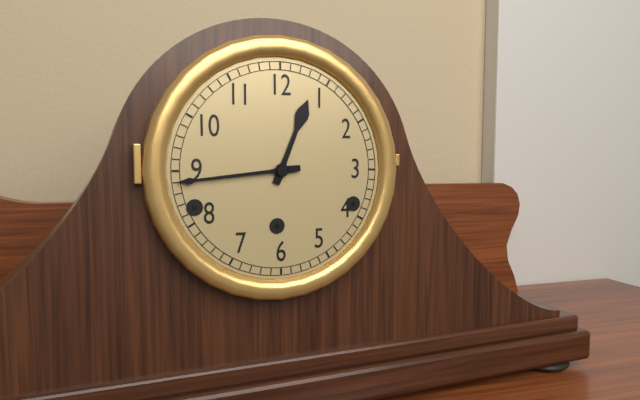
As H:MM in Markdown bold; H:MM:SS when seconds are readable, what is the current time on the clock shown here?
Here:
**12:44**
